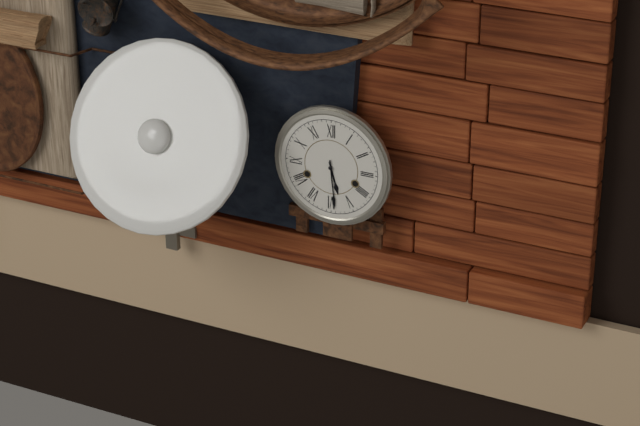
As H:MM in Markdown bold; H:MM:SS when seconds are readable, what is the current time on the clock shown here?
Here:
**5:29**
